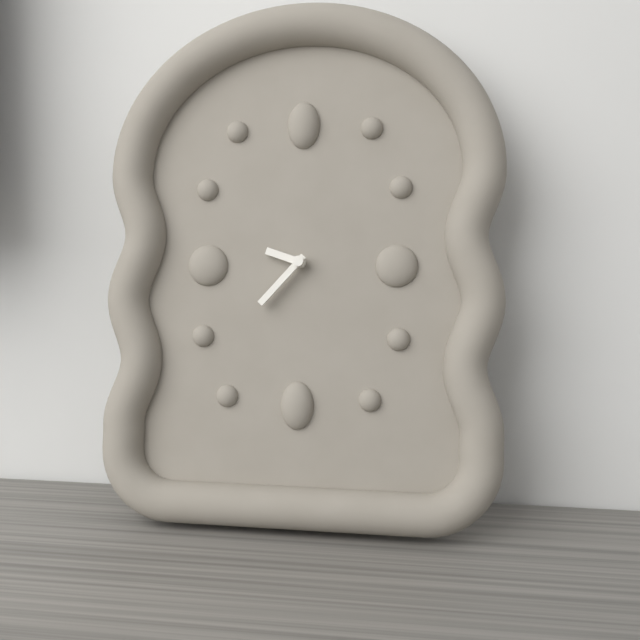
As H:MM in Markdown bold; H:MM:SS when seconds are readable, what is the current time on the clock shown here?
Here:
**9:37**
